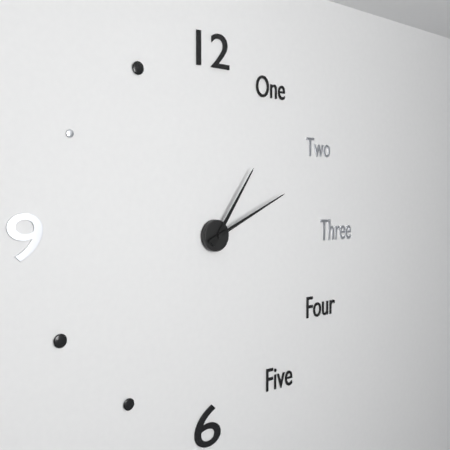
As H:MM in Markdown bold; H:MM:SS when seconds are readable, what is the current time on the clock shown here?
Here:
**1:11**
